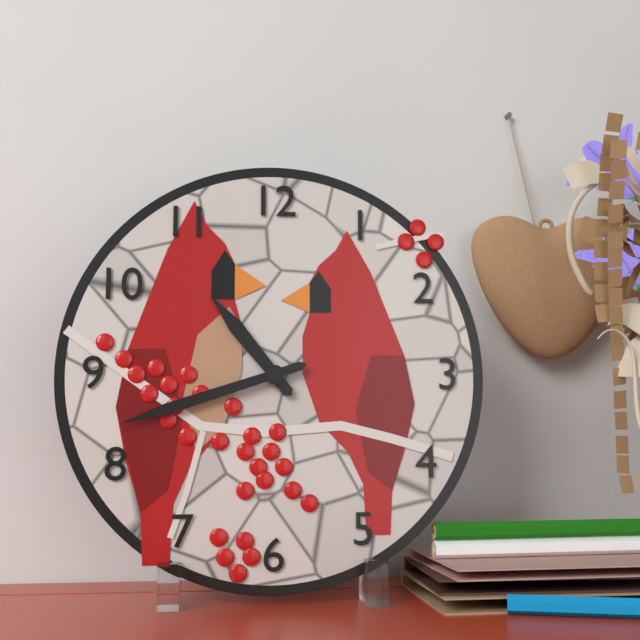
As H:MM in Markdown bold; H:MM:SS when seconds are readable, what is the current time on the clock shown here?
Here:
**10:42**
